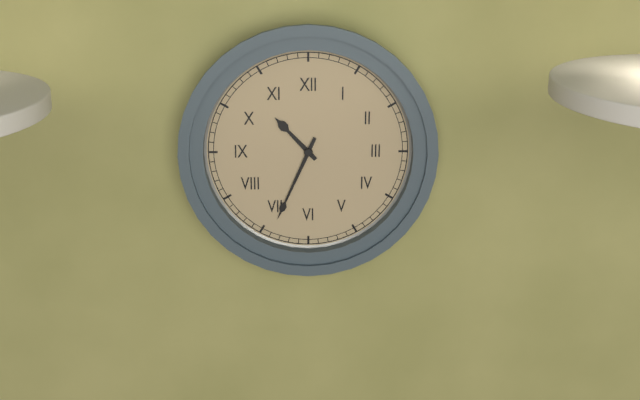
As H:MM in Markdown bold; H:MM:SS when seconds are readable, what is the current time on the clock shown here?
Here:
**10:34**
